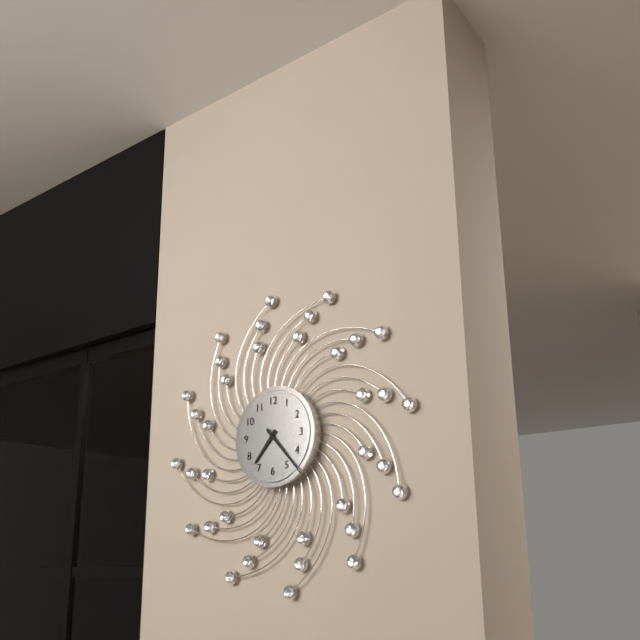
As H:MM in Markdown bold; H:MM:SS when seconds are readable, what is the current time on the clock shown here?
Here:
**7:23**
